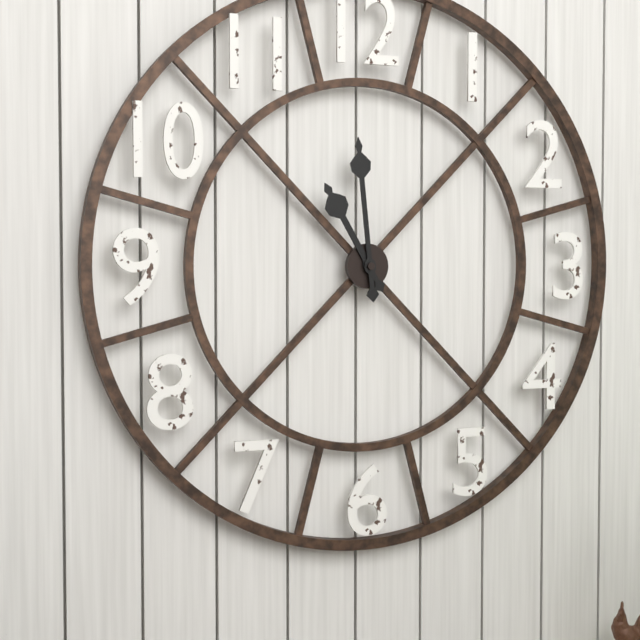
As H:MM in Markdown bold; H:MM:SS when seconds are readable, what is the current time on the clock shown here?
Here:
**10:59**
